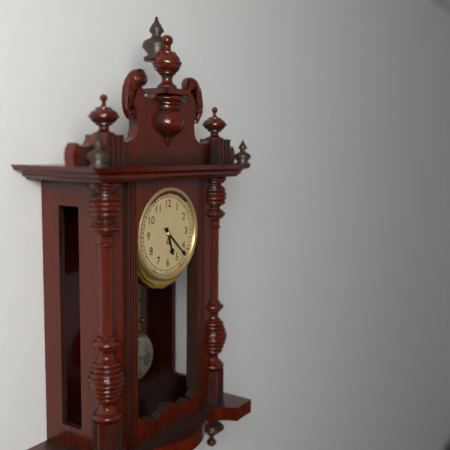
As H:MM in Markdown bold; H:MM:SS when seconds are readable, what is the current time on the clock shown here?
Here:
**5:22**
